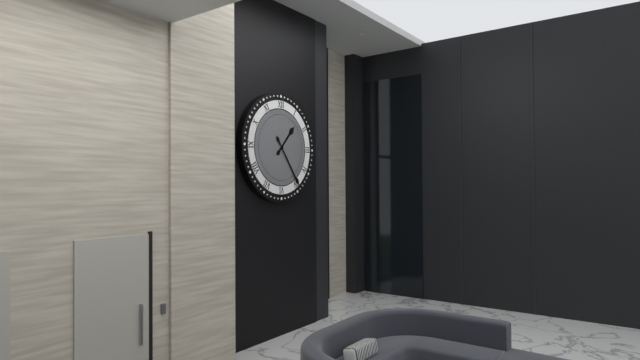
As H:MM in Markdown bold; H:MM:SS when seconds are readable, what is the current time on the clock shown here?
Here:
**1:24**
